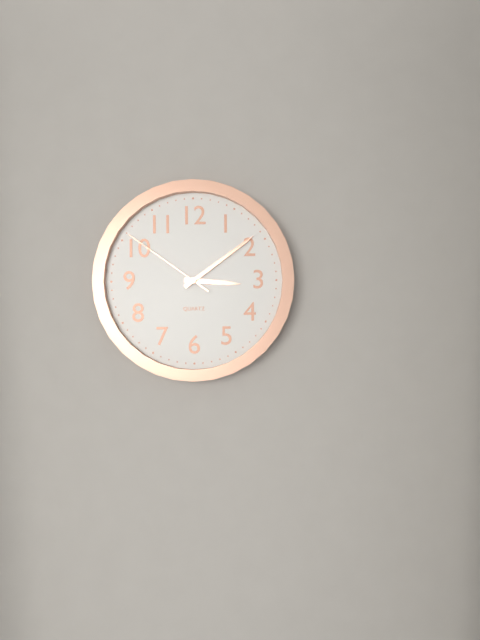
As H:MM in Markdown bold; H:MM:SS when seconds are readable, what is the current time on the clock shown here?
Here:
**3:09:51**
